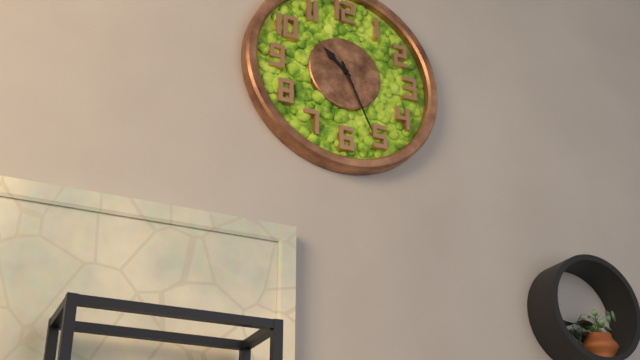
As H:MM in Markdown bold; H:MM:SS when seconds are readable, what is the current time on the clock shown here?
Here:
**10:26**
